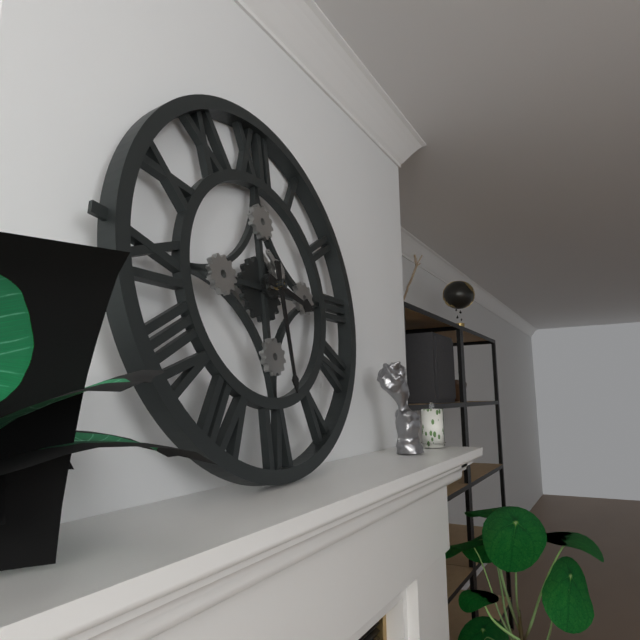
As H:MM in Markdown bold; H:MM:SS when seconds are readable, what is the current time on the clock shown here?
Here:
**3:29**
